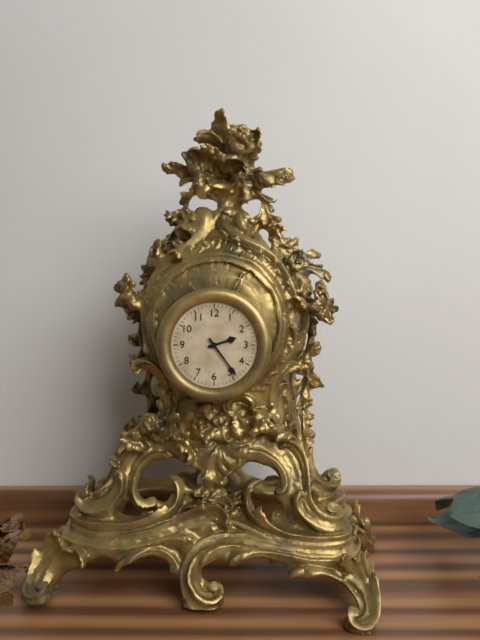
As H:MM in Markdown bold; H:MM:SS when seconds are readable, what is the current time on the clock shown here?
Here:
**2:24**
